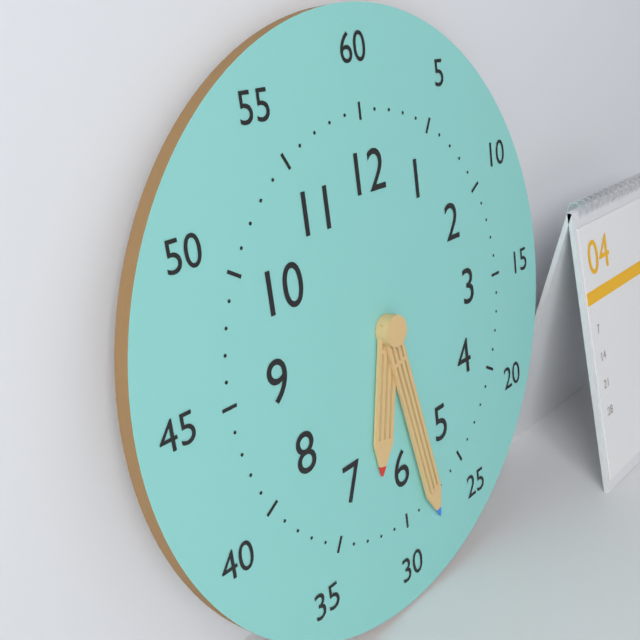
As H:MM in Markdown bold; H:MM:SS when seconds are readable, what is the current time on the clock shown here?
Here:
**6:28**
